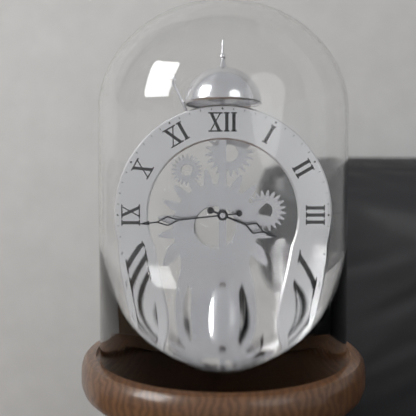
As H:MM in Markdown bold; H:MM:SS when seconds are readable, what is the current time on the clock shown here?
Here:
**3:44**
